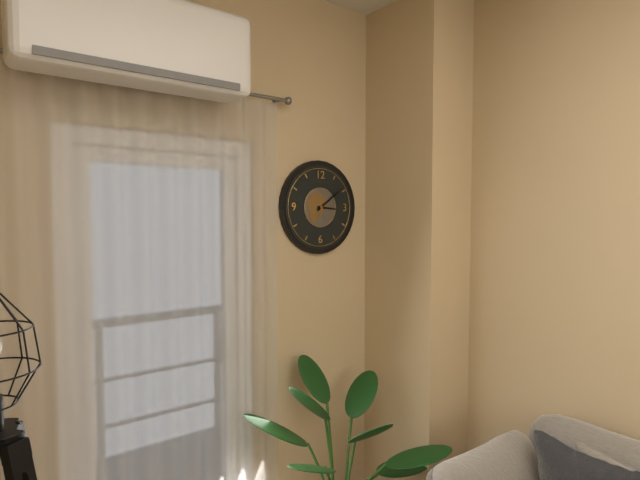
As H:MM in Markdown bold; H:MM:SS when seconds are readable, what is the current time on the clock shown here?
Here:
**3:09**
